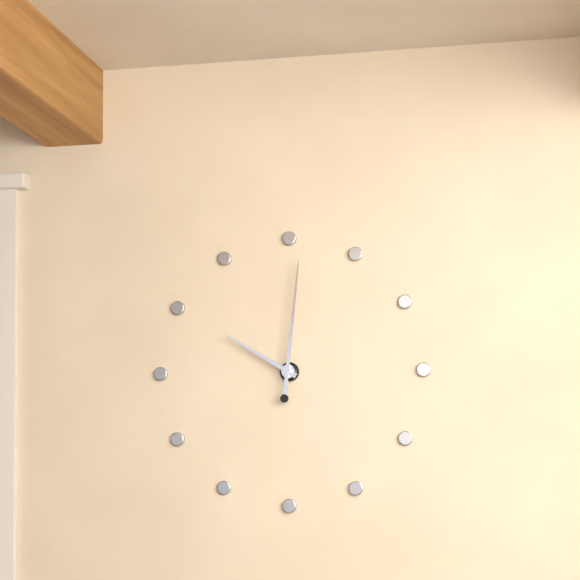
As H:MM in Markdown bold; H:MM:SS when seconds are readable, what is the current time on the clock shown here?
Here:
**10:01**
